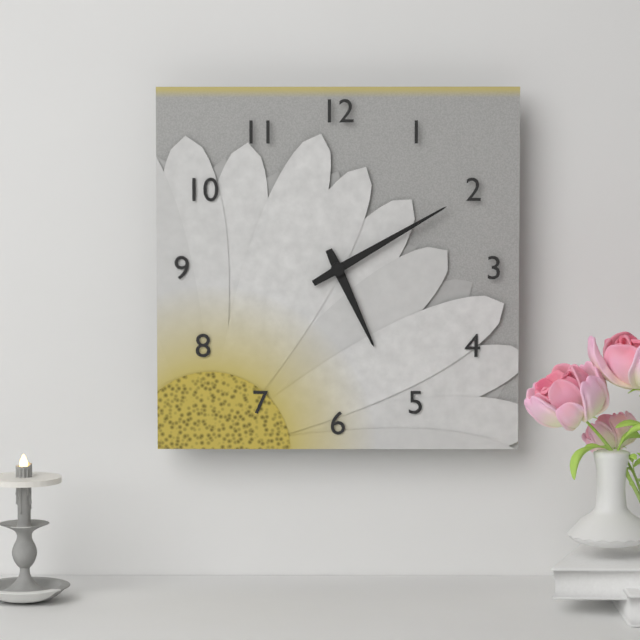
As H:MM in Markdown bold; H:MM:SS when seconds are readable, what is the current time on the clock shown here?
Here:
**5:10**
